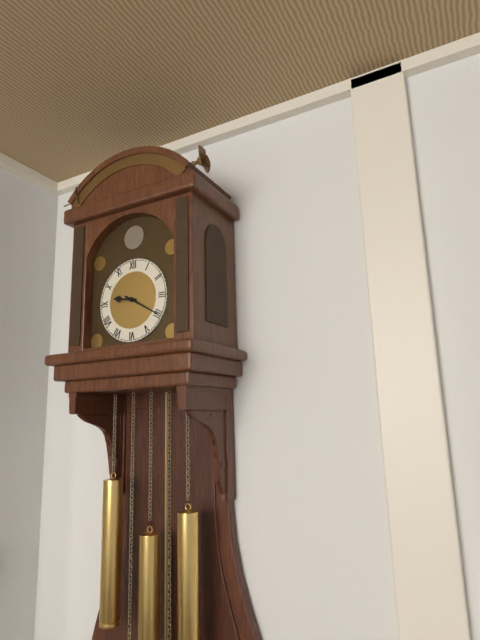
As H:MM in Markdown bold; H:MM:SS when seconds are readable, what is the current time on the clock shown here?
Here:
**9:20**
